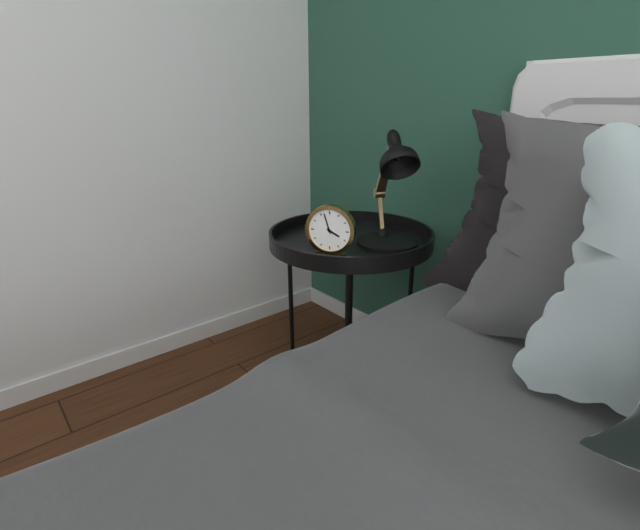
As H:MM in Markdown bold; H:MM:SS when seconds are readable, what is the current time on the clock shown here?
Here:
**3:57**
